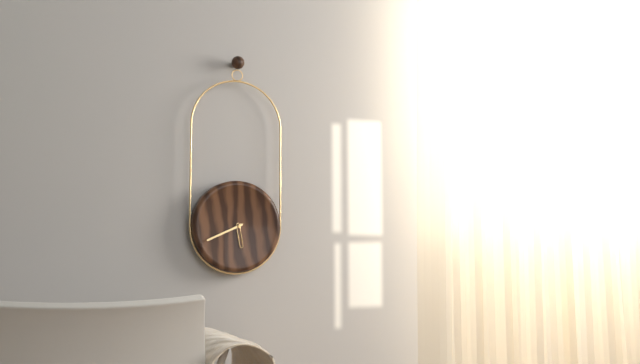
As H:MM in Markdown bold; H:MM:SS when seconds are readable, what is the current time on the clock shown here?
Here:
**5:41**
